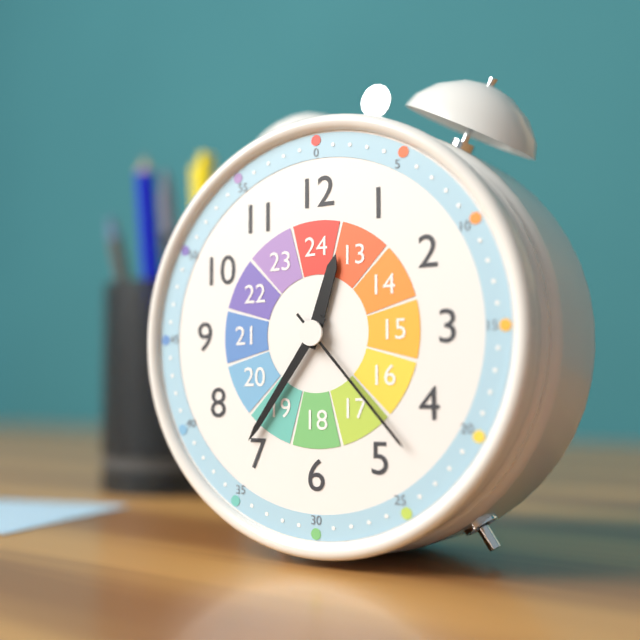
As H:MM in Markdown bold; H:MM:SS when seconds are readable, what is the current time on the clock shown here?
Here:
**12:36:23**
